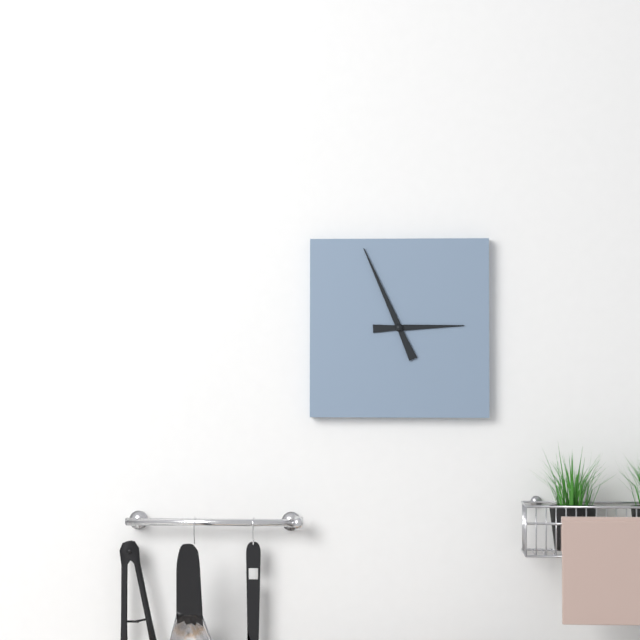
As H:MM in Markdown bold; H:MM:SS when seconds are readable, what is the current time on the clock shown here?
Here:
**2:56**
